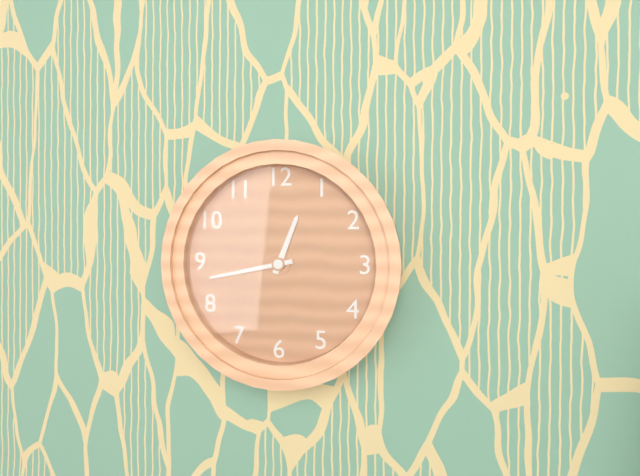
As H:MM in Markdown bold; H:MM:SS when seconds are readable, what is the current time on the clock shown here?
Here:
**12:43**
